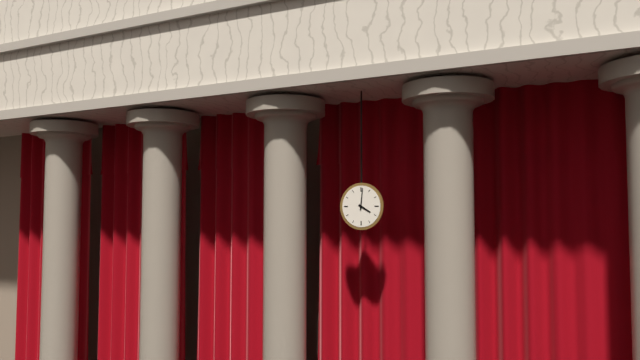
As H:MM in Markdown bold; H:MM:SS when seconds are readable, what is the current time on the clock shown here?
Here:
**4:01**
